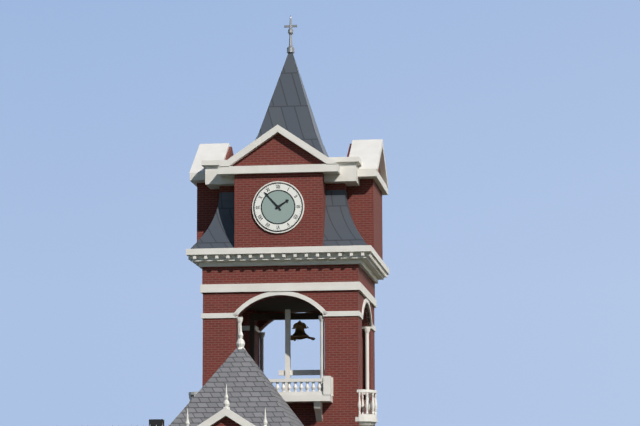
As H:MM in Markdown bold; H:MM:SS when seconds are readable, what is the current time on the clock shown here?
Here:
**1:53**
